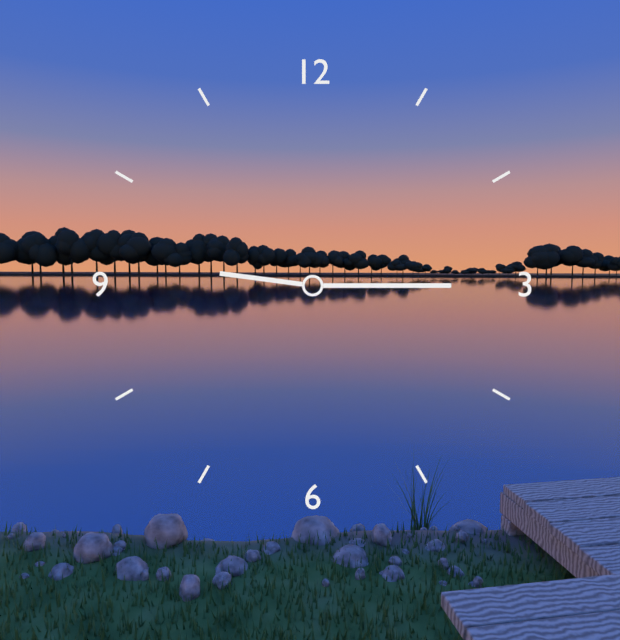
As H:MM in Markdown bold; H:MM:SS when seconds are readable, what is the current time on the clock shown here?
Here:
**9:15**
